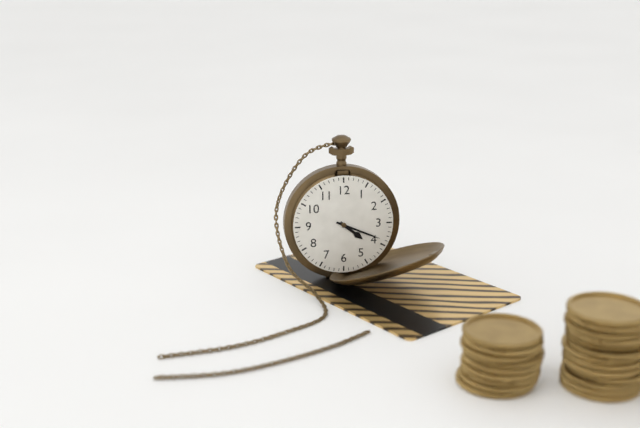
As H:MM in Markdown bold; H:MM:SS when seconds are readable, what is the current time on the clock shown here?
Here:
**4:19**
